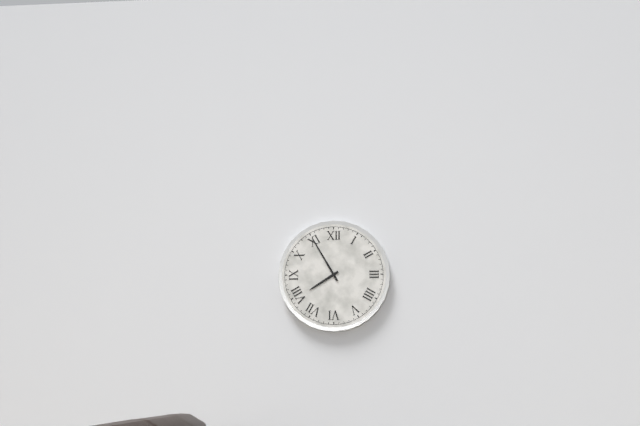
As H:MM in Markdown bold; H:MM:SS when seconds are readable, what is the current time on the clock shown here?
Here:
**7:55**
